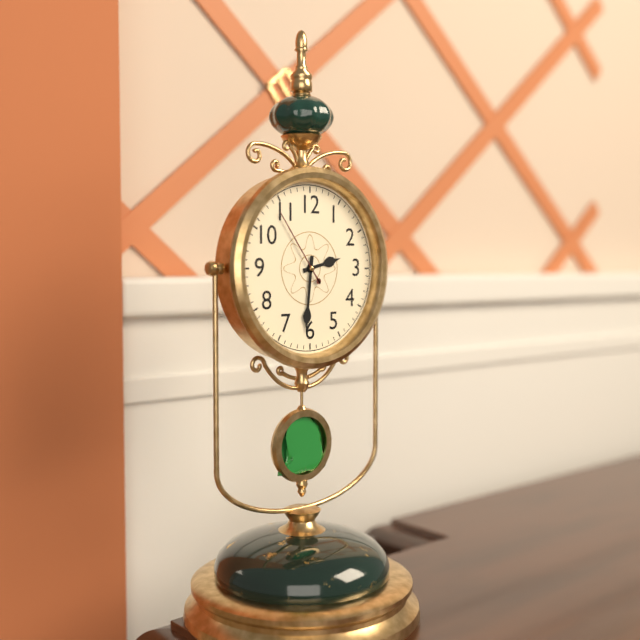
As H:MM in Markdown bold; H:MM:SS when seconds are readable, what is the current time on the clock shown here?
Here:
**2:31:54**
